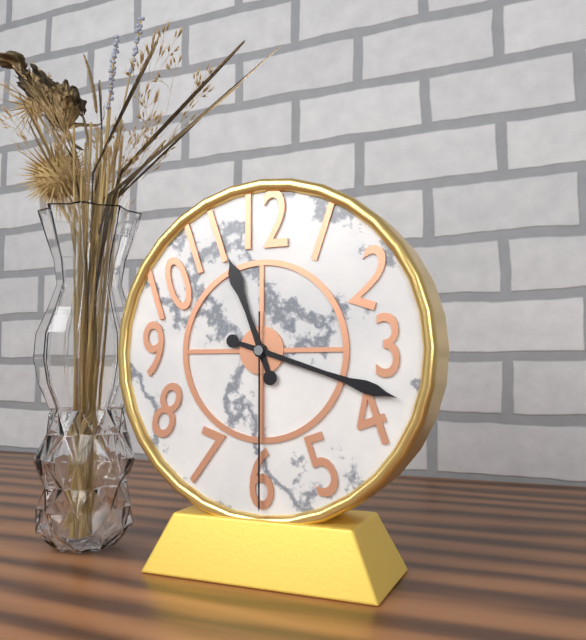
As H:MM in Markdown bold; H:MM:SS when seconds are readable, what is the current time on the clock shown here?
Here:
**11:18:30**
